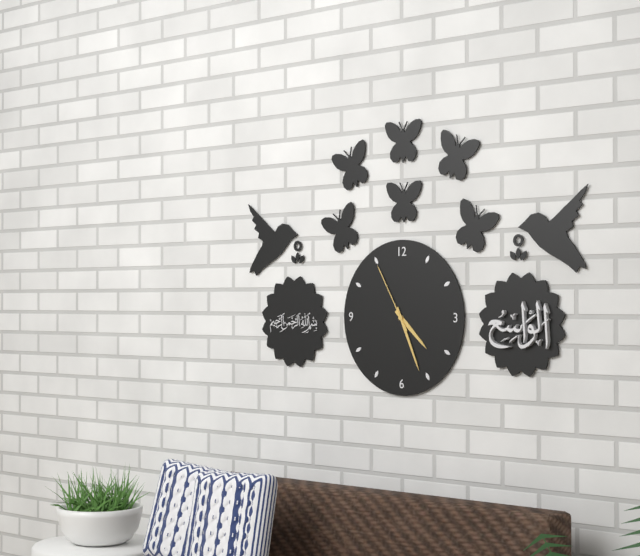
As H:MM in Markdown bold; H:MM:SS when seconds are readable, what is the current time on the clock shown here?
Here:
**4:26:55**
